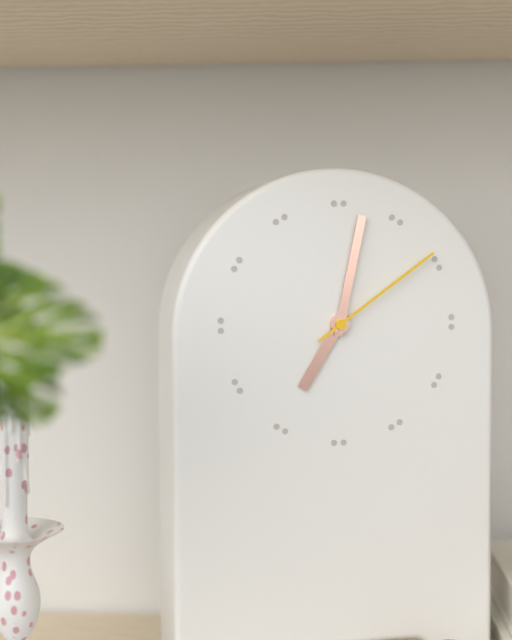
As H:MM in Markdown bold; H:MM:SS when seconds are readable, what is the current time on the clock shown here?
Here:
**7:02:09**
